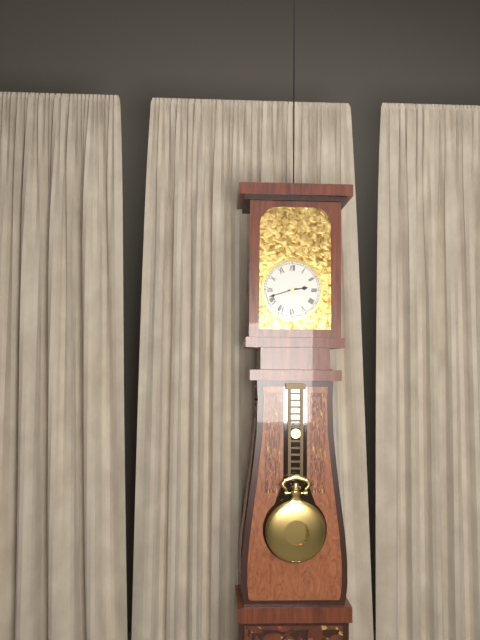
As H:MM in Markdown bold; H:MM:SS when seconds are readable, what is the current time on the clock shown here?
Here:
**2:42**
